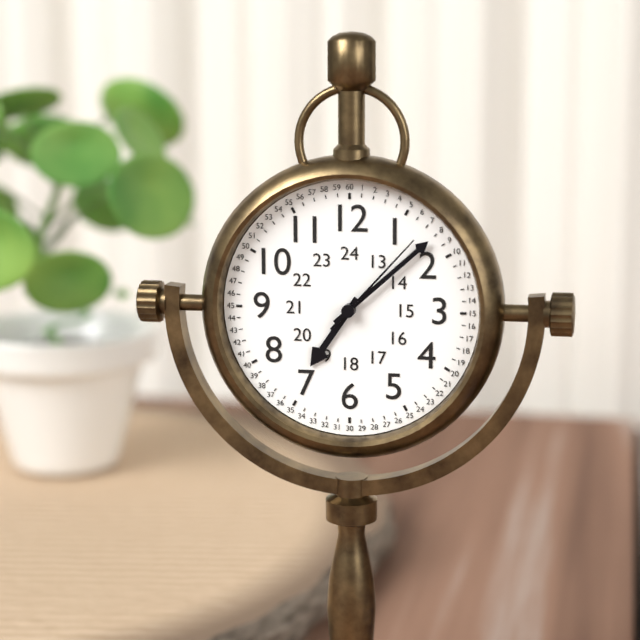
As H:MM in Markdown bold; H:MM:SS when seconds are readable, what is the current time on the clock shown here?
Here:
**7:08:07**
